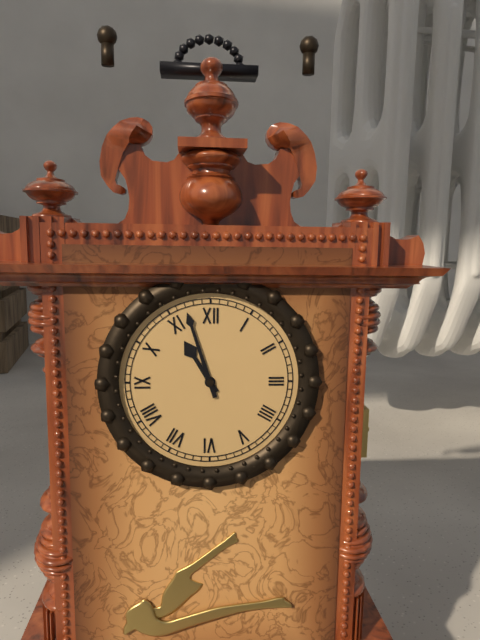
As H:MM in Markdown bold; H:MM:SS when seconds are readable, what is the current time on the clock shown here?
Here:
**10:57**
